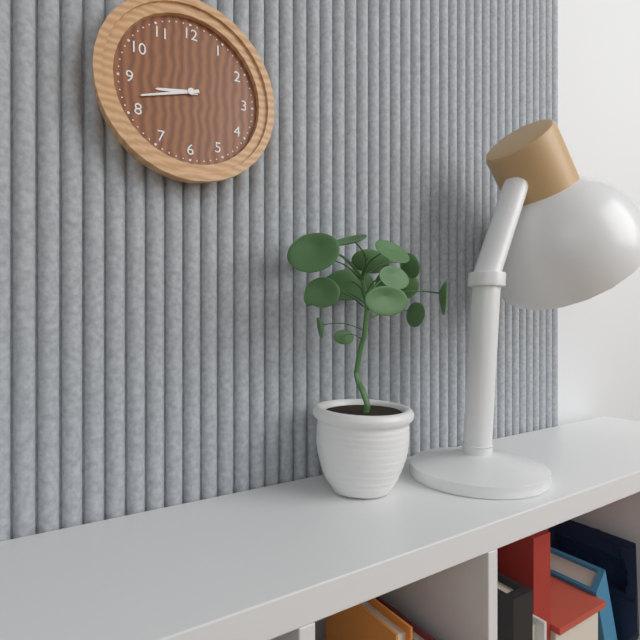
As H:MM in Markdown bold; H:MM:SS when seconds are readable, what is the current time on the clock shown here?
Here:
**8:42**
